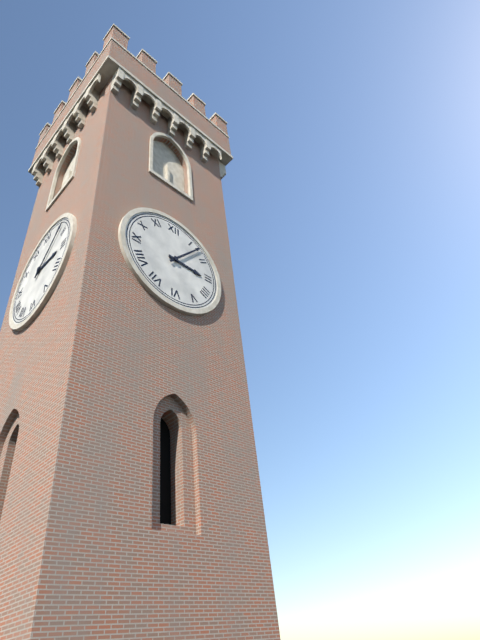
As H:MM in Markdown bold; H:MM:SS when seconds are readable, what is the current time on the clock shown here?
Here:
**3:07**
